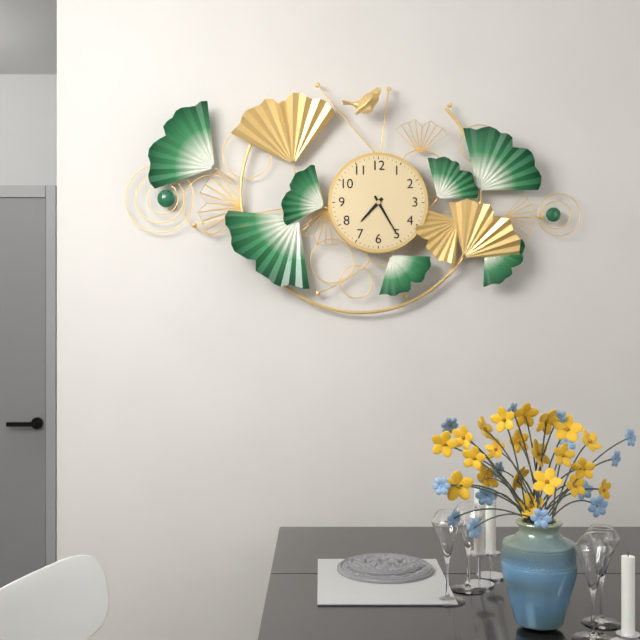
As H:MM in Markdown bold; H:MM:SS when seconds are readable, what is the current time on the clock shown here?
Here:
**7:25**
